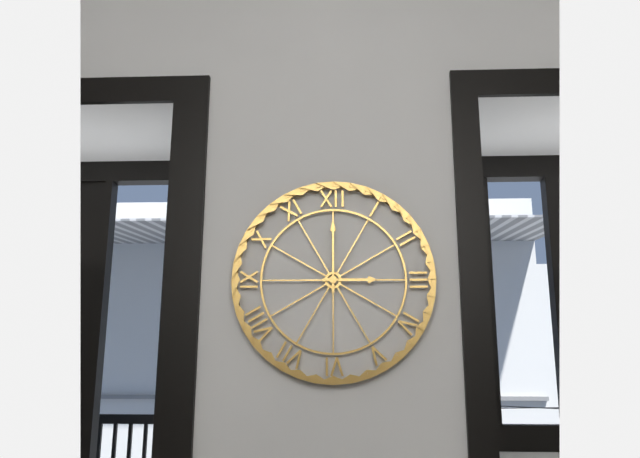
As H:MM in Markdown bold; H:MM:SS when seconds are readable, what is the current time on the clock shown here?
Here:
**3:00**
